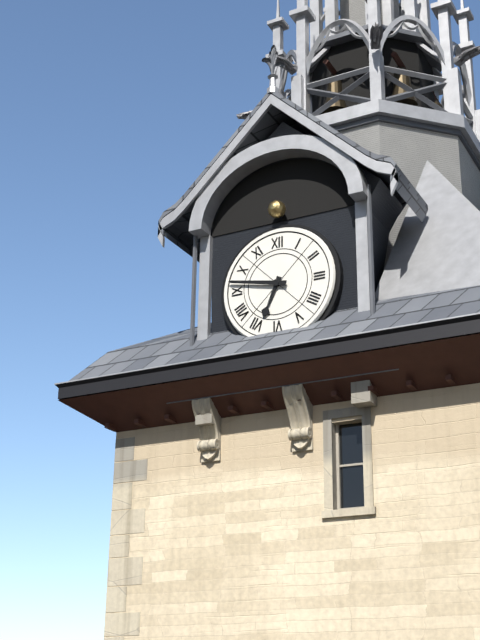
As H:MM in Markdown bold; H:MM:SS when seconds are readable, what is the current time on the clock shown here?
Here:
**6:47**
